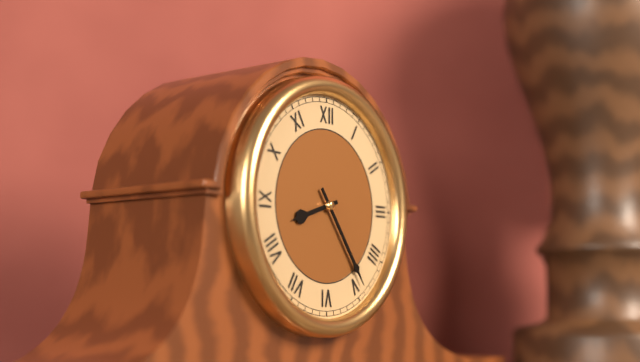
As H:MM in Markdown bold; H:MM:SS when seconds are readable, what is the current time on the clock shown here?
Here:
**8:24**
